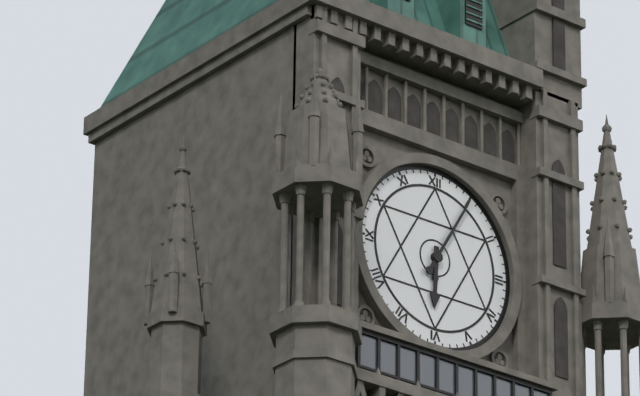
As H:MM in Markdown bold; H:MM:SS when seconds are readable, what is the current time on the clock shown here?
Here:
**6:05**
